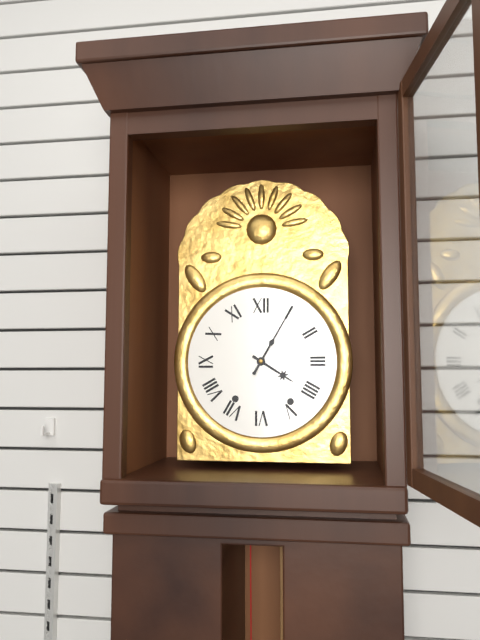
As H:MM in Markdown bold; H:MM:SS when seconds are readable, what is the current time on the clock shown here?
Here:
**4:05**
